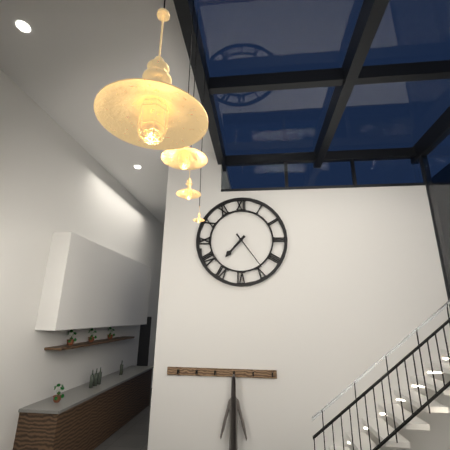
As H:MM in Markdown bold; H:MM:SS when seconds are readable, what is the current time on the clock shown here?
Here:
**7:24**
